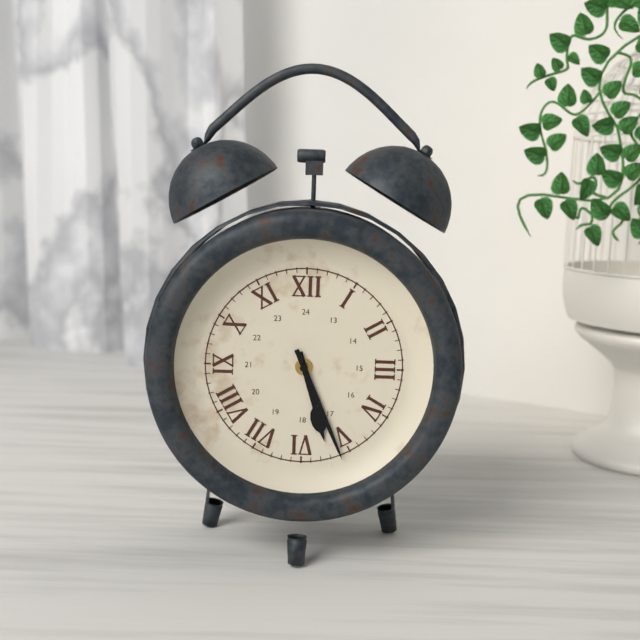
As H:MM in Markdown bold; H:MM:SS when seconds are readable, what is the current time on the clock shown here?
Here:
**5:26**
